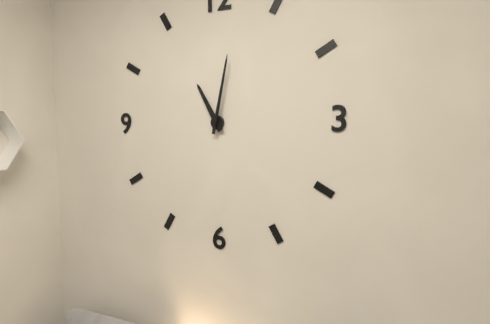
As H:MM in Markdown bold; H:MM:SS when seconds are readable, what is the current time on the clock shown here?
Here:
**11:02**
